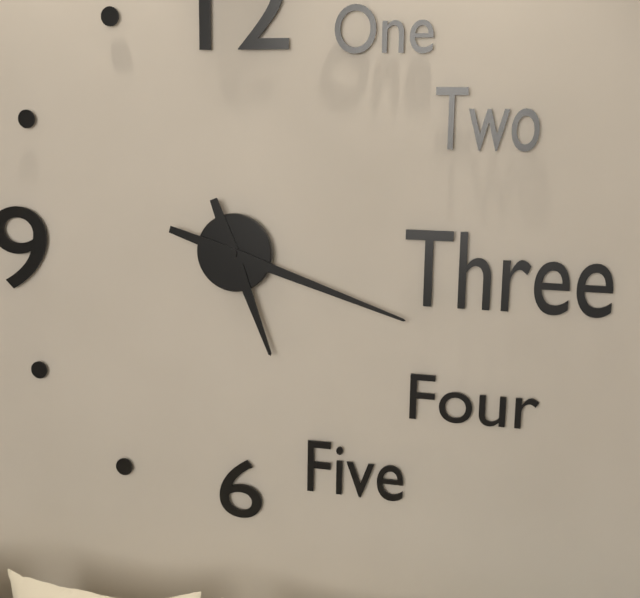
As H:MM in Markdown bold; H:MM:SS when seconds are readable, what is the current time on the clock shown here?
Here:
**5:18**
